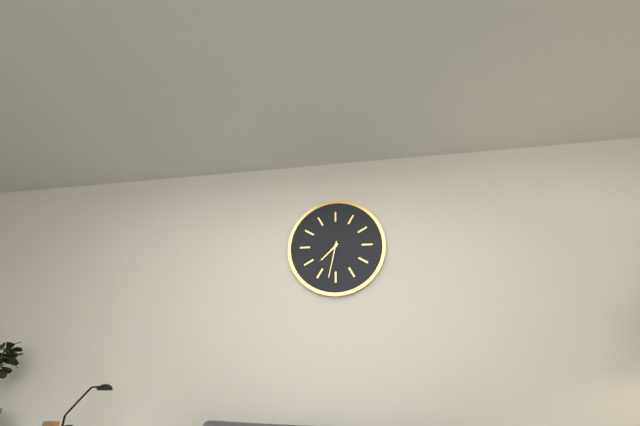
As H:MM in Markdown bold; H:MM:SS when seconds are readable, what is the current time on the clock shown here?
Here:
**7:32**
